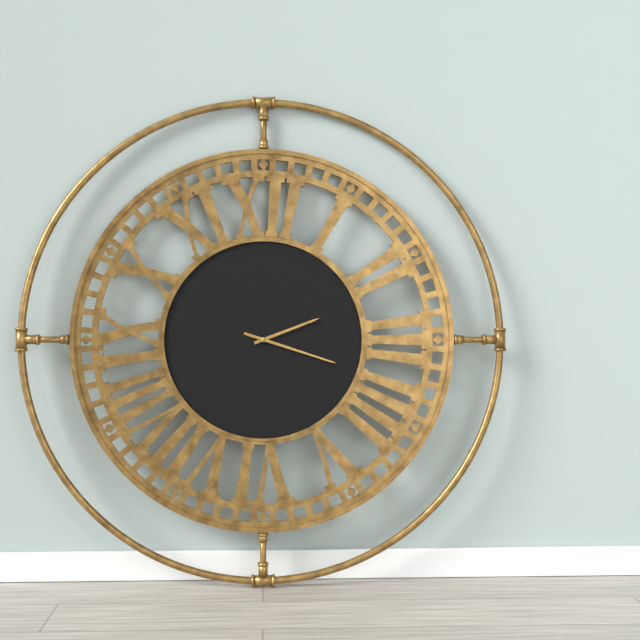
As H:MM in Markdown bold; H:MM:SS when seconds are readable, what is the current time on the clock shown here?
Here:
**2:18**
